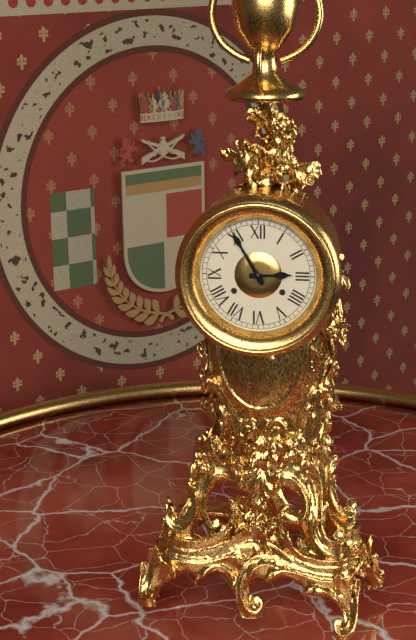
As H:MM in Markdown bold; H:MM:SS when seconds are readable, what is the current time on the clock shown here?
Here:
**2:55**
